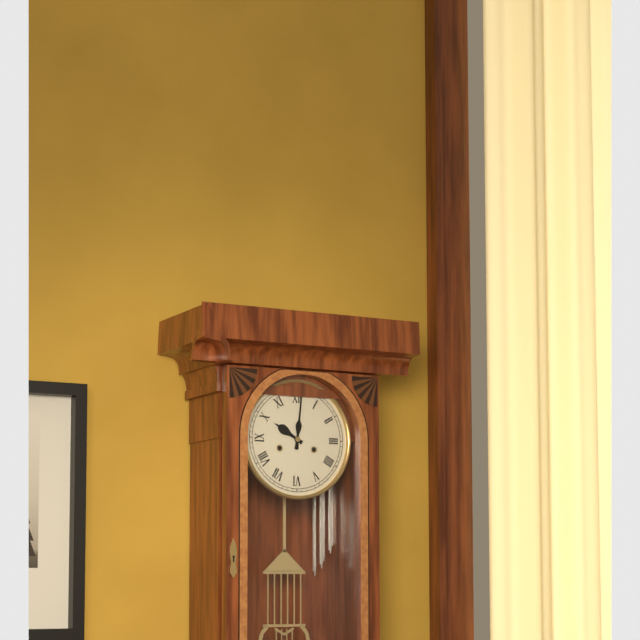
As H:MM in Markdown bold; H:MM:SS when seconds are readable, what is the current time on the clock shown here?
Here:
**10:01**
